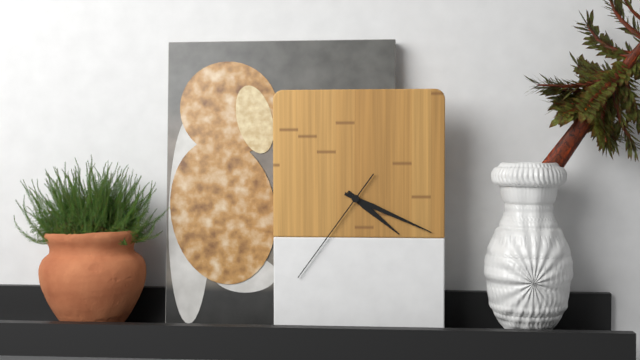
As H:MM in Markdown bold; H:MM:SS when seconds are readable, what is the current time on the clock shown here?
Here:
**4:19:36**
